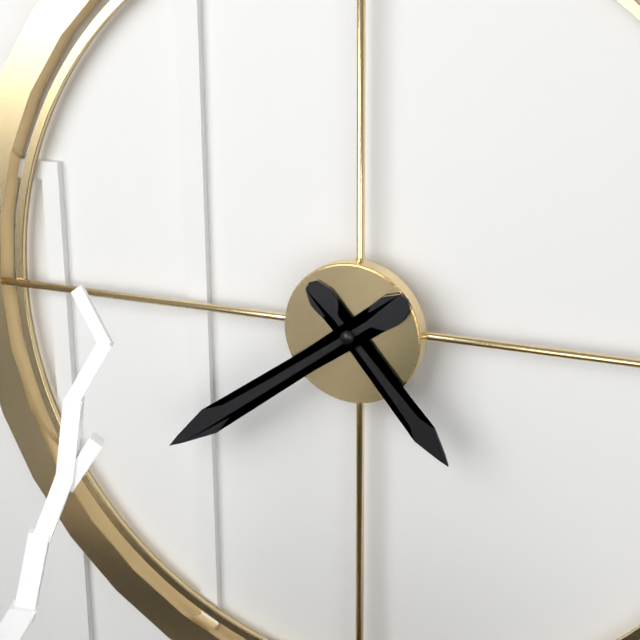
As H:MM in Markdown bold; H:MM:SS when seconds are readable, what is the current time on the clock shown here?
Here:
**4:39**
